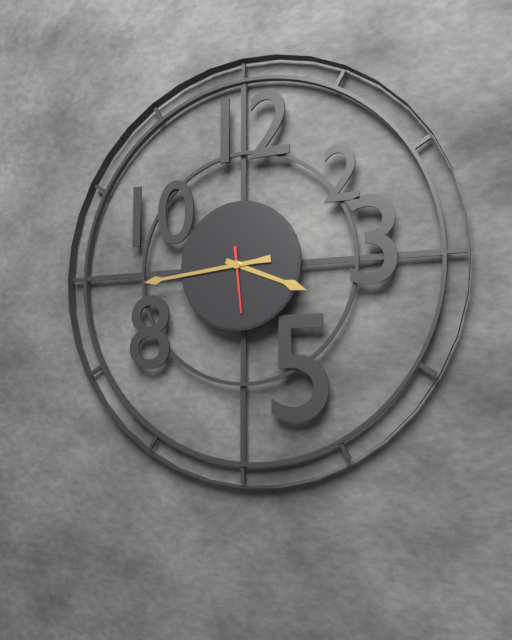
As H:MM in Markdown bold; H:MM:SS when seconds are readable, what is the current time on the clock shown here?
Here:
**3:44:29**
